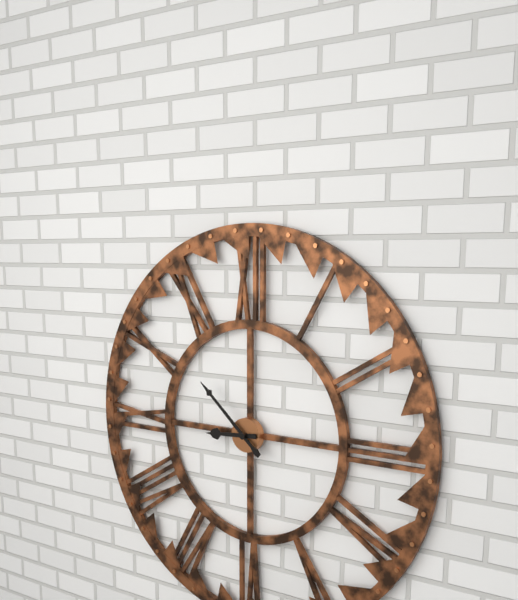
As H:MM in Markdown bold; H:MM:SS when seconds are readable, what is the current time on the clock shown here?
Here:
**8:52**
